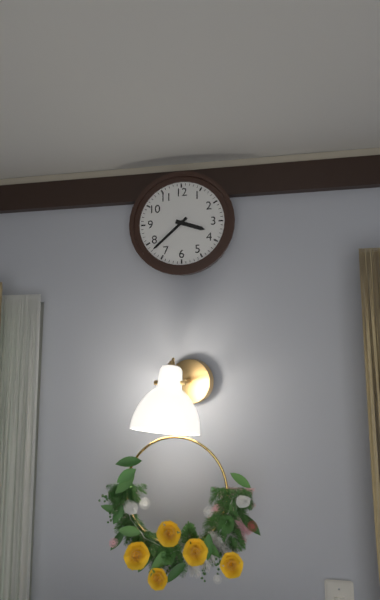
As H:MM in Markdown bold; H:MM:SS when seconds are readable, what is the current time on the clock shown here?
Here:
**3:38**
